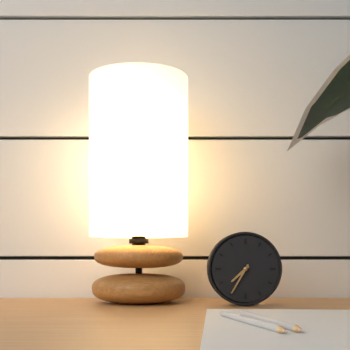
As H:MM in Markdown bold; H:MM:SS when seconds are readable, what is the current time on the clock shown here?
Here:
**7:35**
